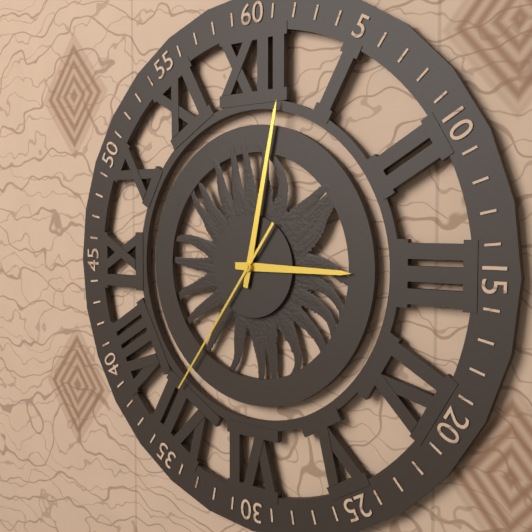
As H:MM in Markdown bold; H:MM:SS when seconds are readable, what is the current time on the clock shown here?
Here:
**3:02:36**
